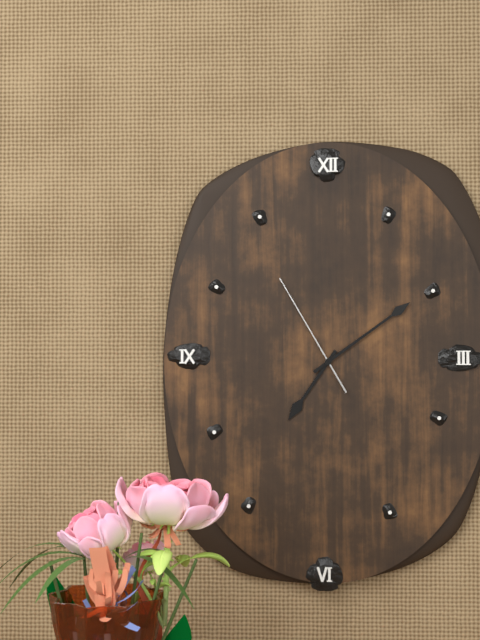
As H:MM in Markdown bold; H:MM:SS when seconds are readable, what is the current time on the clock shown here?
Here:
**7:09:55**
